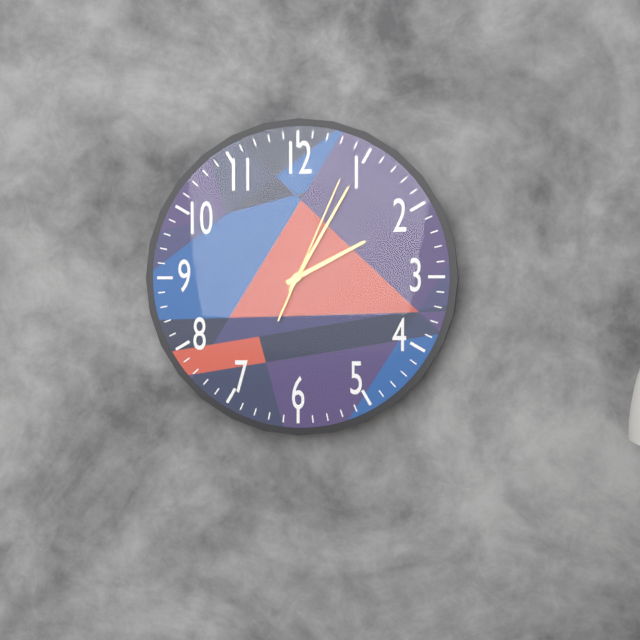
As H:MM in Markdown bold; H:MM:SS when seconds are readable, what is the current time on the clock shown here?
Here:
**2:05:04**
